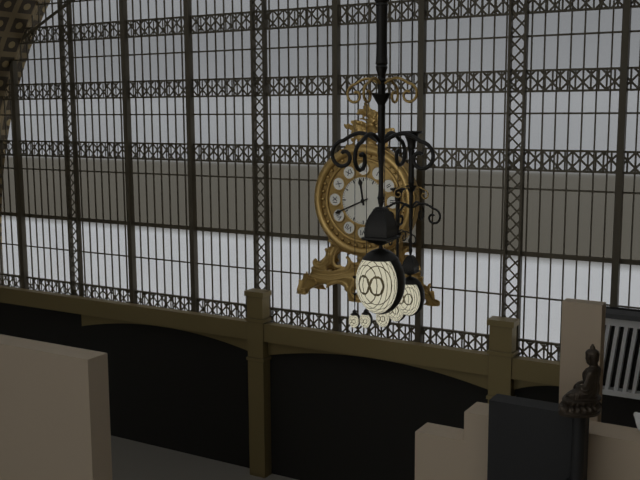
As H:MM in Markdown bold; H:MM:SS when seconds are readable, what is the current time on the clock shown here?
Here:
**11:41**
